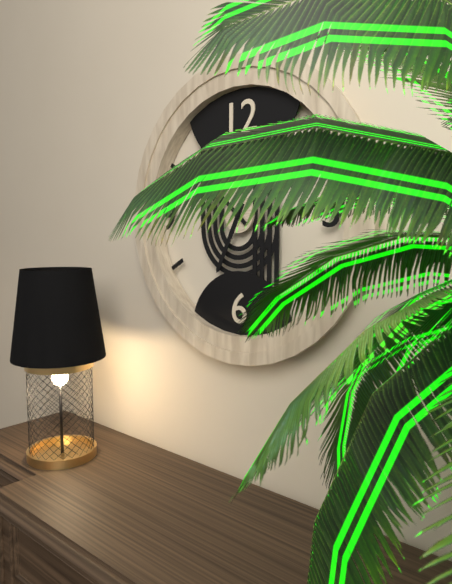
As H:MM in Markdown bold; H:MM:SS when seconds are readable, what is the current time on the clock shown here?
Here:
**6:52**
